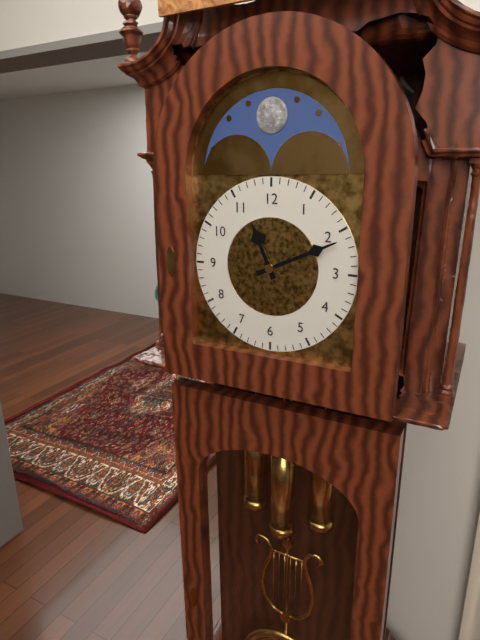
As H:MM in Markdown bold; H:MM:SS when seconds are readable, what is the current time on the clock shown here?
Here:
**11:11**
